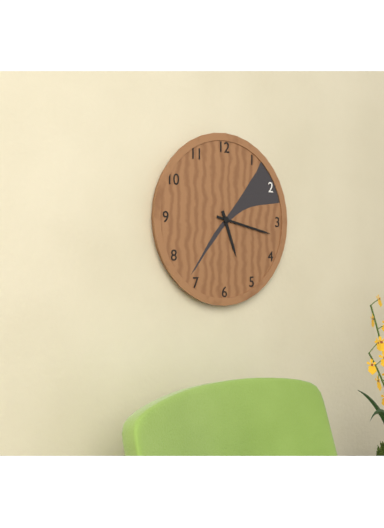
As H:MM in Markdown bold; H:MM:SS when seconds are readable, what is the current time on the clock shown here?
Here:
**5:17**
